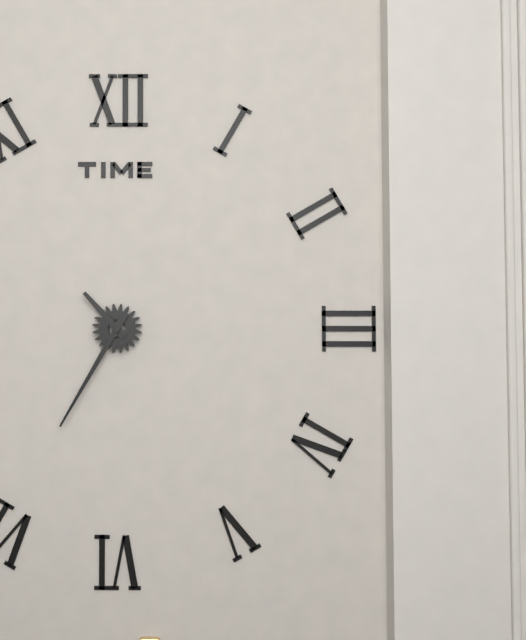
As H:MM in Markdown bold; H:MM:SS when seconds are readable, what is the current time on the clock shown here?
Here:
**10:35**
